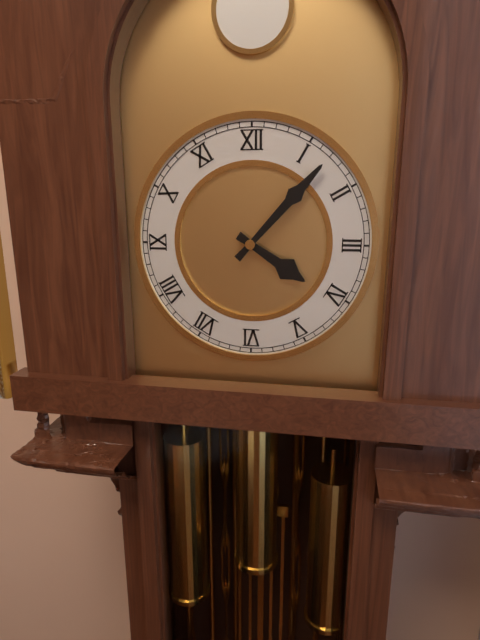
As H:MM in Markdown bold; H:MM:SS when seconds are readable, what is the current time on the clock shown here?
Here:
**4:07**
